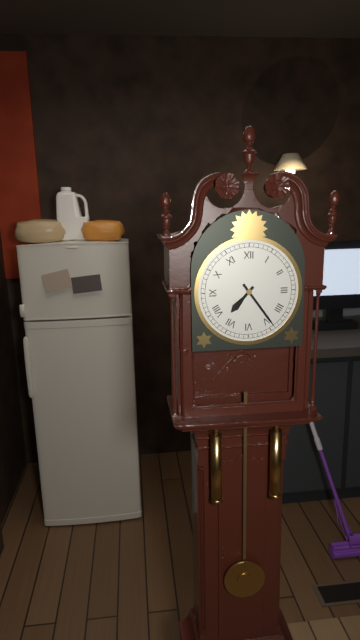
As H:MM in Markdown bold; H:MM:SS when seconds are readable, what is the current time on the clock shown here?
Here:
**7:24**
